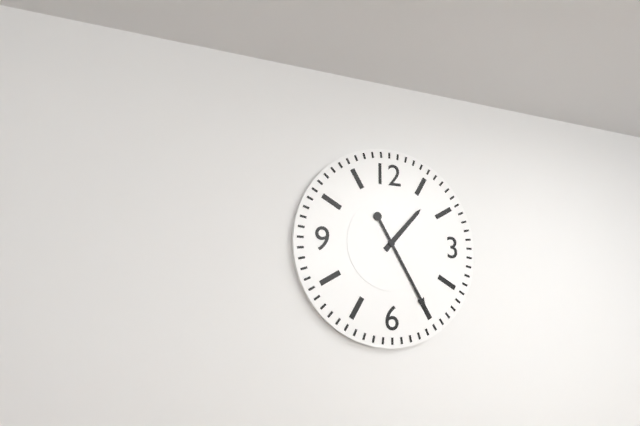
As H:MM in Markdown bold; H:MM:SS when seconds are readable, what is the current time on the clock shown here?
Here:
**1:25**
